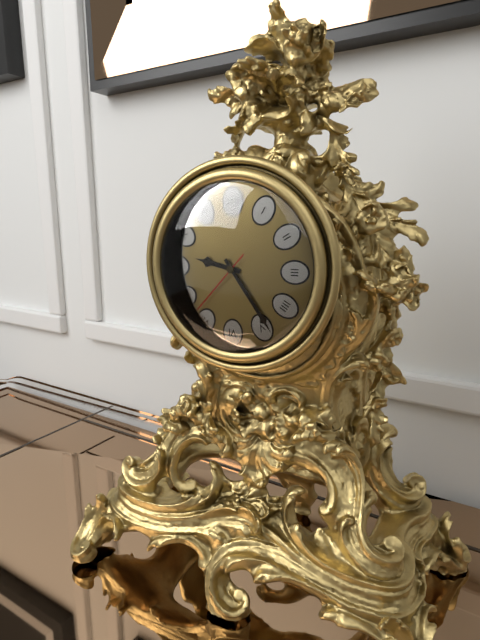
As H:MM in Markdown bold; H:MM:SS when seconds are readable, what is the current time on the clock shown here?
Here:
**9:24:37**
